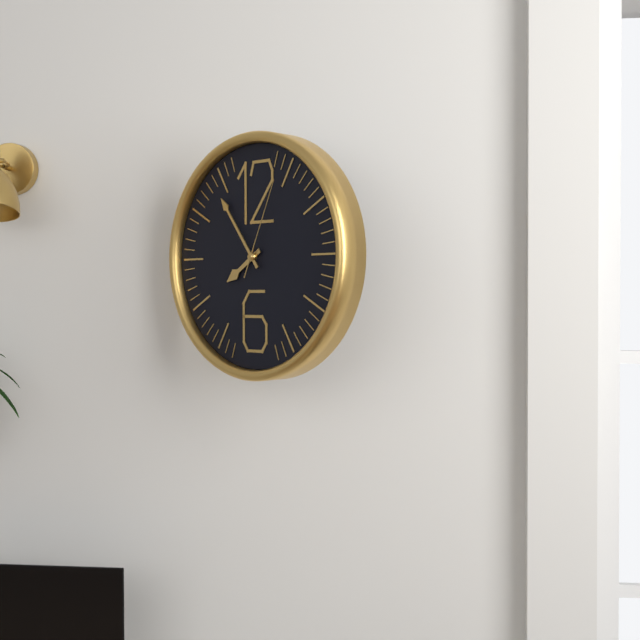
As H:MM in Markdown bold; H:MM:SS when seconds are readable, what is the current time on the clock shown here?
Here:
**7:54:04**
